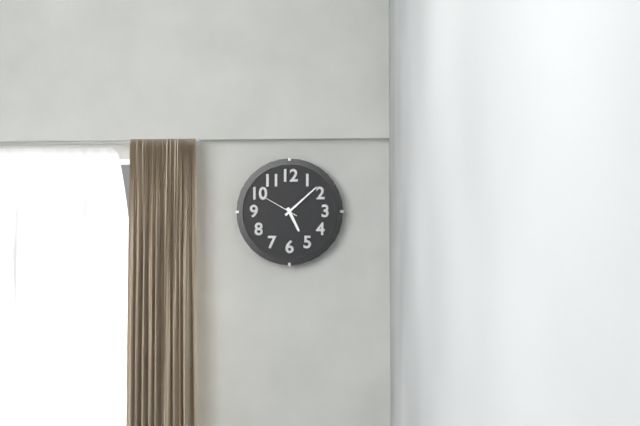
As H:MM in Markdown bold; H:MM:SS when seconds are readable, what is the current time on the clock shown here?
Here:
**5:08**
